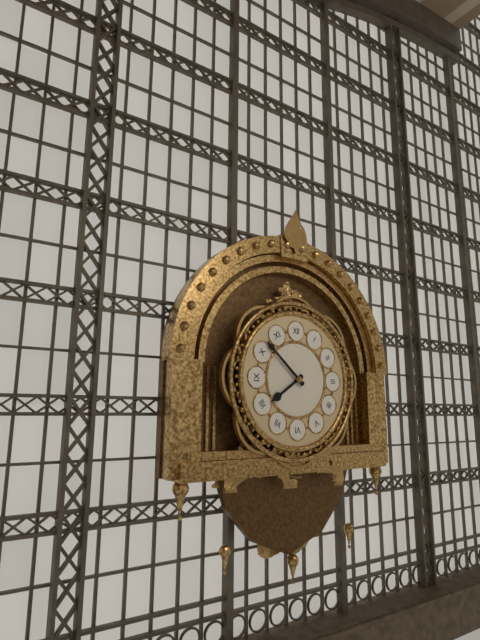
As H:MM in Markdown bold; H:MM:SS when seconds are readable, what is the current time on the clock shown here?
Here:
**7:52**
